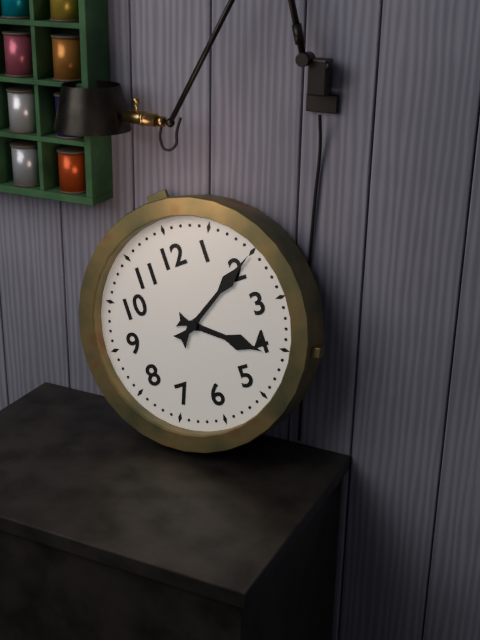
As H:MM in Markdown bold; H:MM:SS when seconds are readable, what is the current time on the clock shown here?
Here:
**4:10**
